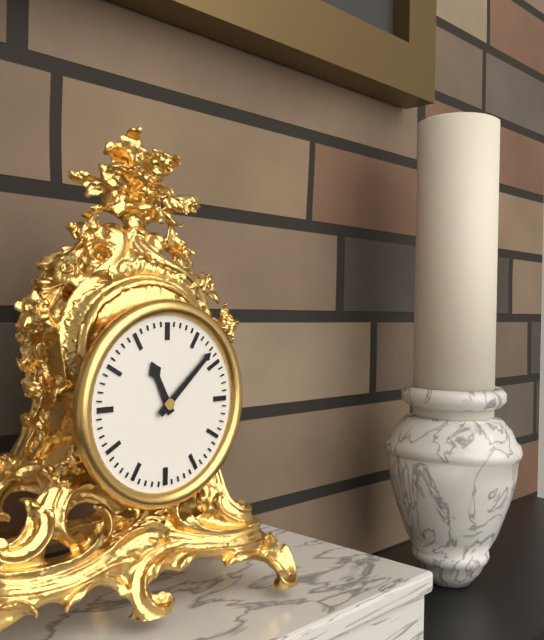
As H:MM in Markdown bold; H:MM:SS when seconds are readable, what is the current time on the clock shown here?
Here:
**11:08**
